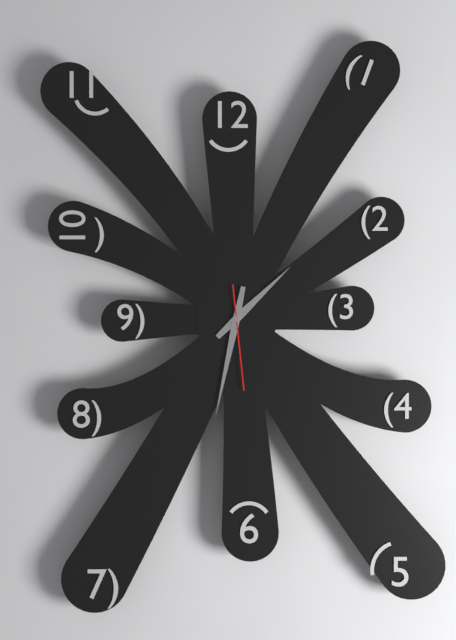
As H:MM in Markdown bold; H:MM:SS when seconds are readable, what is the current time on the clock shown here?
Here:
**1:32:29**
